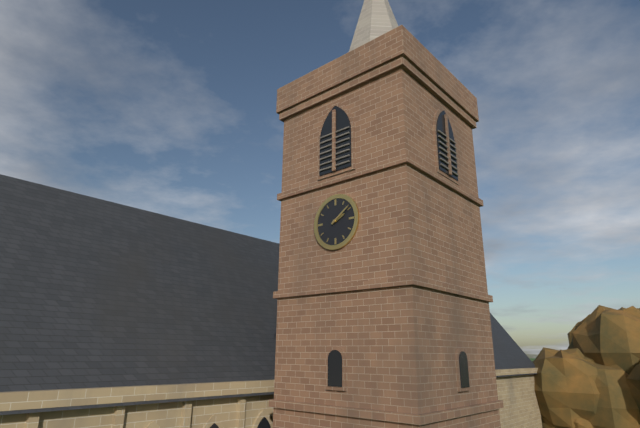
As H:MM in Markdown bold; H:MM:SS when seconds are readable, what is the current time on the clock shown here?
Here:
**2:09**
